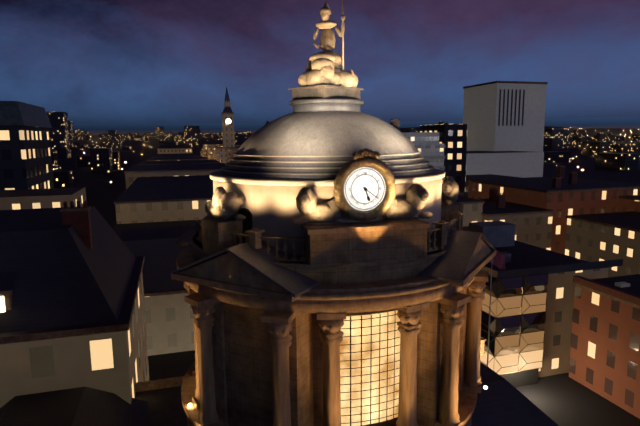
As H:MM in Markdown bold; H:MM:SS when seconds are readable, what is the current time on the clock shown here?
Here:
**5:21**
